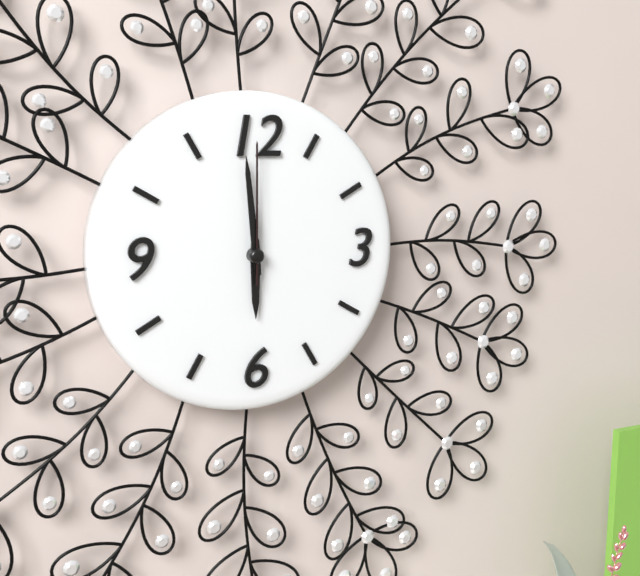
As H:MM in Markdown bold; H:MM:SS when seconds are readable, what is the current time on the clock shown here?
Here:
**5:59:00**
